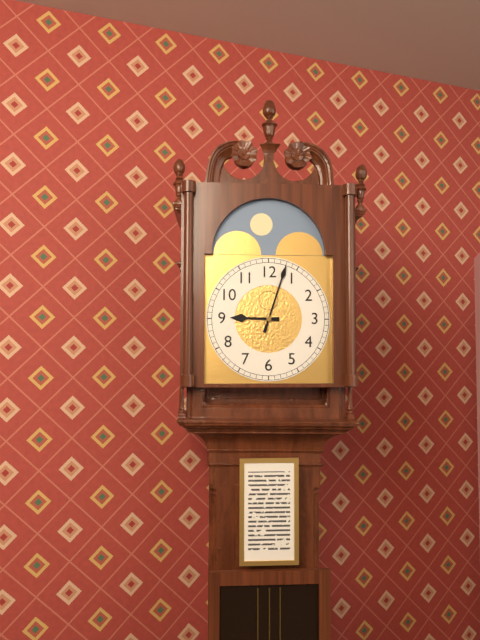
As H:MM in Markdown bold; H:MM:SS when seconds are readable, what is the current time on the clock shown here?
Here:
**9:03**
